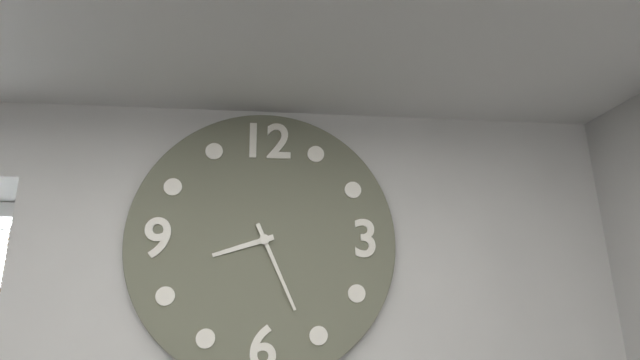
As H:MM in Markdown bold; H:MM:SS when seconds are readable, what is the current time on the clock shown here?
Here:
**8:26**
